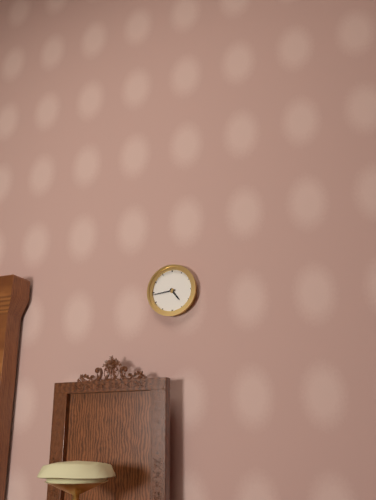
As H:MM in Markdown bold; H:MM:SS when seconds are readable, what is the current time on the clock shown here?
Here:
**4:44**
